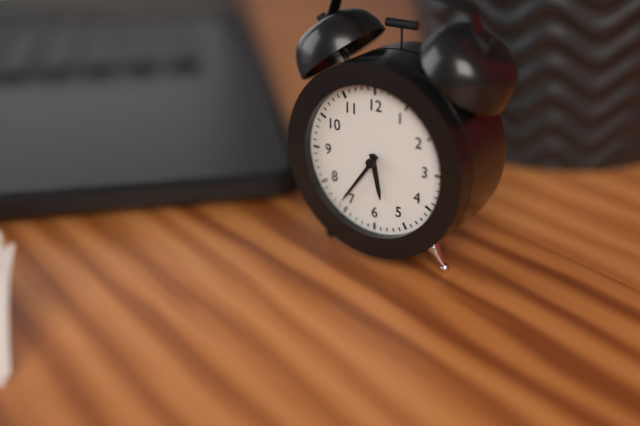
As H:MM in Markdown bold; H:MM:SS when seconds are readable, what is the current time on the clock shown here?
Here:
**5:36**
